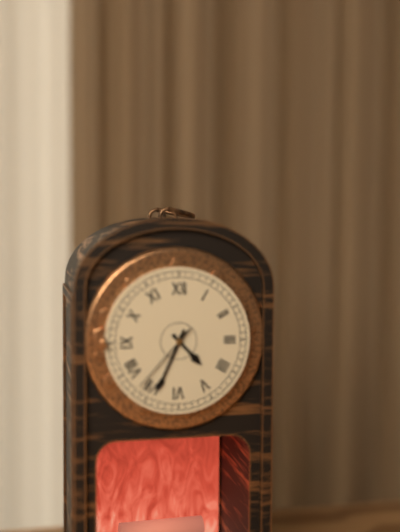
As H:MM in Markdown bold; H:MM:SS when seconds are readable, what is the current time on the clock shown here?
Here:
**4:34:37**
